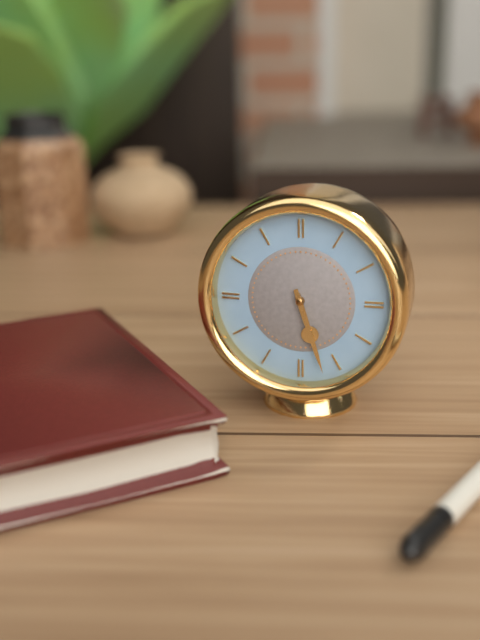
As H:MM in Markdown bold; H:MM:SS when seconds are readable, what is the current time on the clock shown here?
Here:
**5:27**
